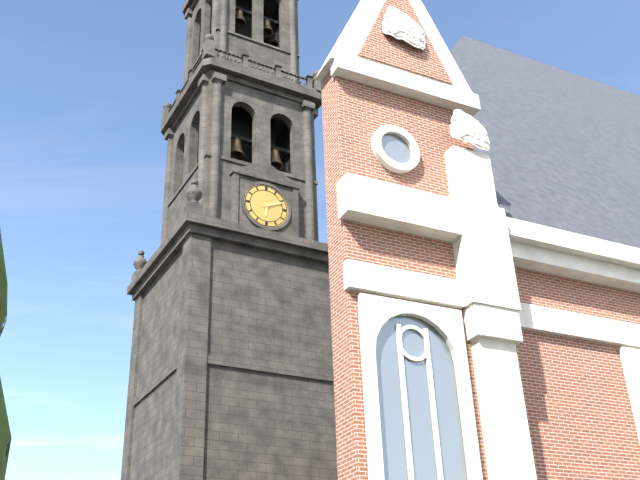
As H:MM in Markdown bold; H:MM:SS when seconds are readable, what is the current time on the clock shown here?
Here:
**6:11**
